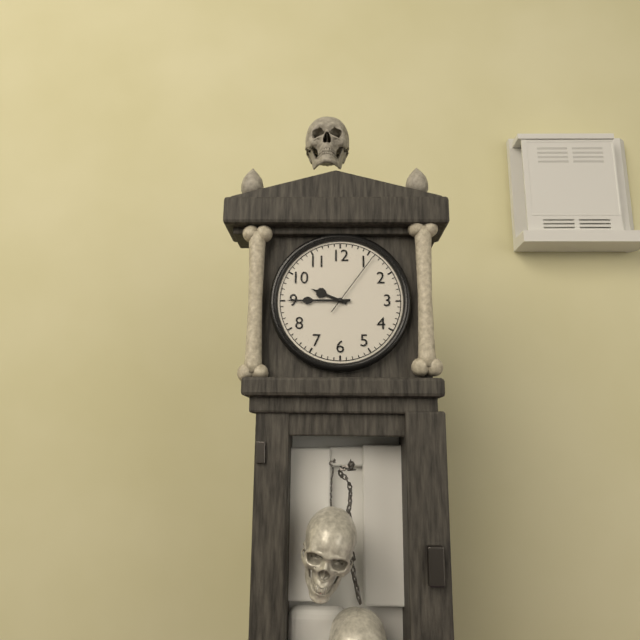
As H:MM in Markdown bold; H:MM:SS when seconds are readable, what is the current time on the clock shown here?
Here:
**9:45:06**
